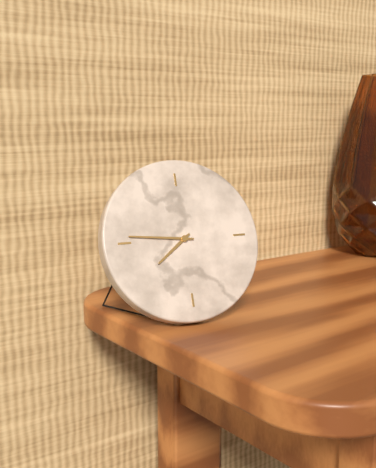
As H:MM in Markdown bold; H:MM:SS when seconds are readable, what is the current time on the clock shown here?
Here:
**7:46**
